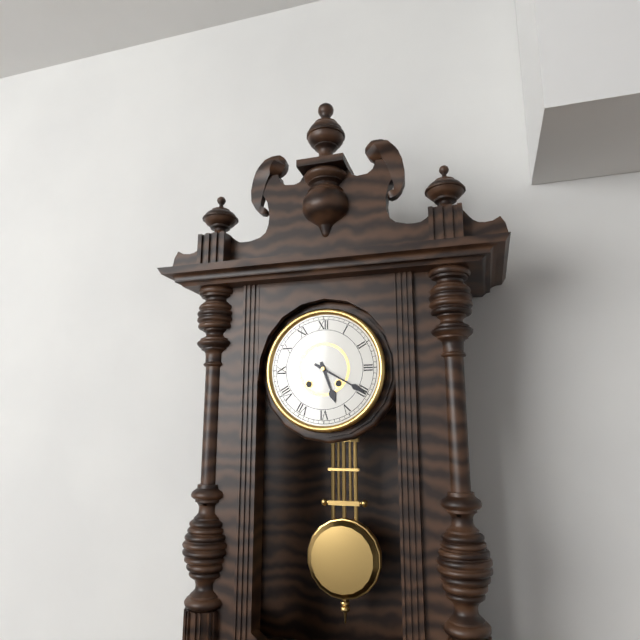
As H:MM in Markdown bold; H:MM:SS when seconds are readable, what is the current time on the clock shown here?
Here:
**5:20**
